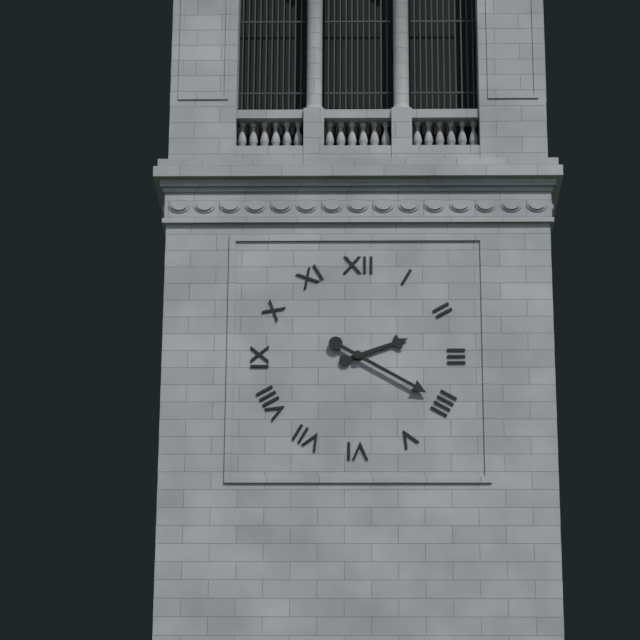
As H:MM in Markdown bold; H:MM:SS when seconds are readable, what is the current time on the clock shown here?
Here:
**2:20**
